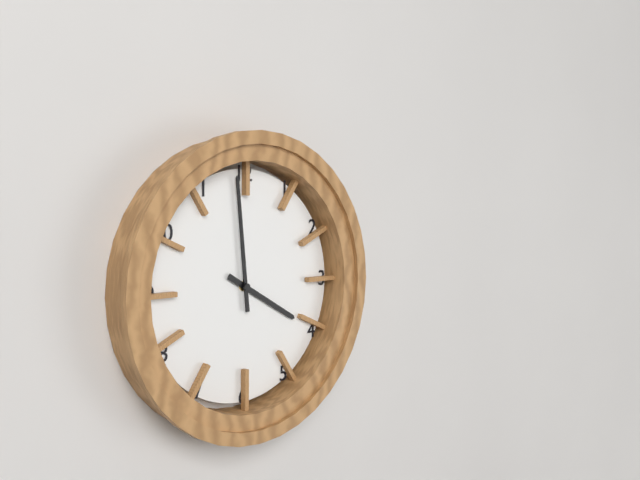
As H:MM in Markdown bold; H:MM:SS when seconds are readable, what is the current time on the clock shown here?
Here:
**3:59**
